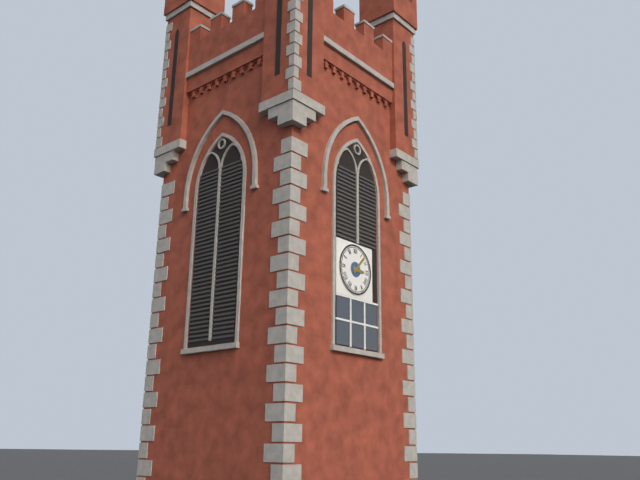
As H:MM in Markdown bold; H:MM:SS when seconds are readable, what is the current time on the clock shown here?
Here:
**3:07**
